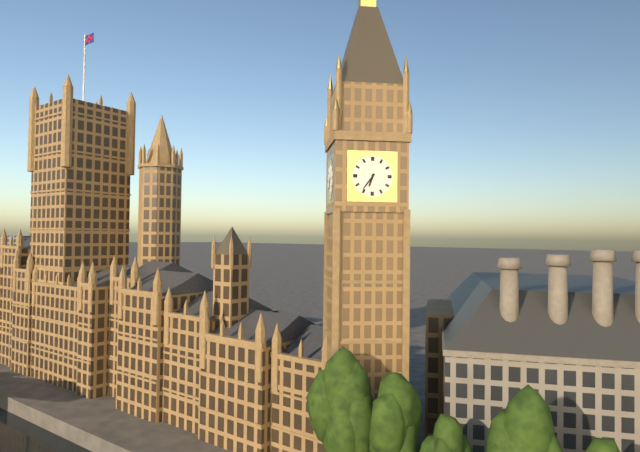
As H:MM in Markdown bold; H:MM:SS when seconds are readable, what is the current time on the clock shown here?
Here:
**6:36**
